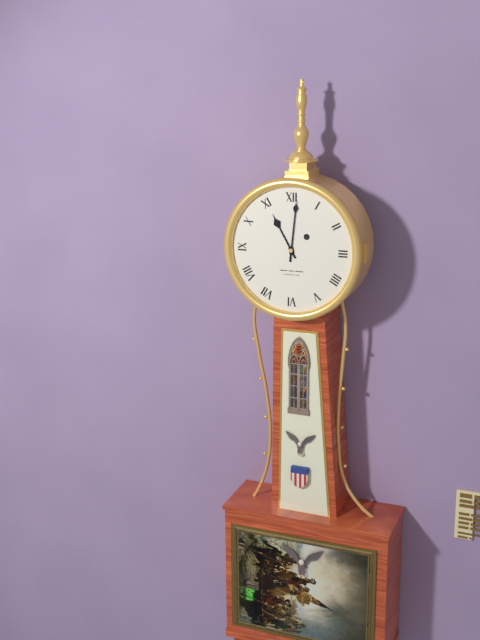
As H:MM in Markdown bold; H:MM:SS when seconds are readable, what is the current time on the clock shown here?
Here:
**11:01**
